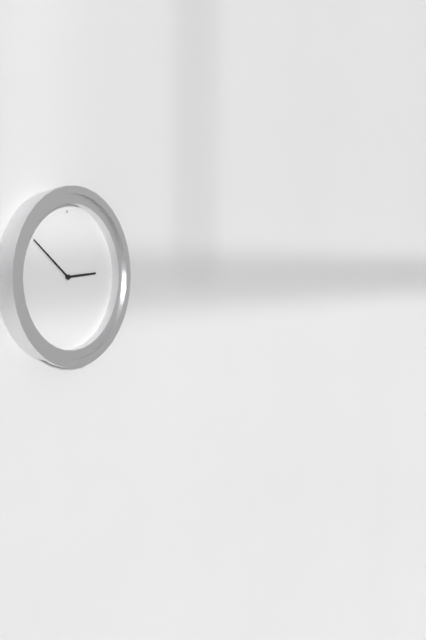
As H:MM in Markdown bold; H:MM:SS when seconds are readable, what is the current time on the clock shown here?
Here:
**2:51**
